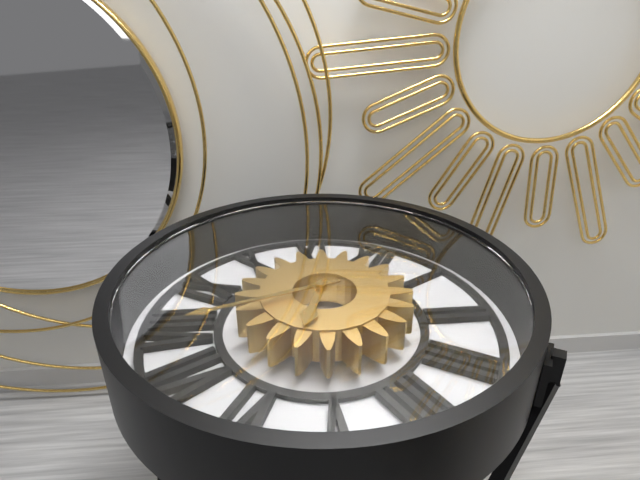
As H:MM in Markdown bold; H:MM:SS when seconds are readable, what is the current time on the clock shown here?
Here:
**5:37**
